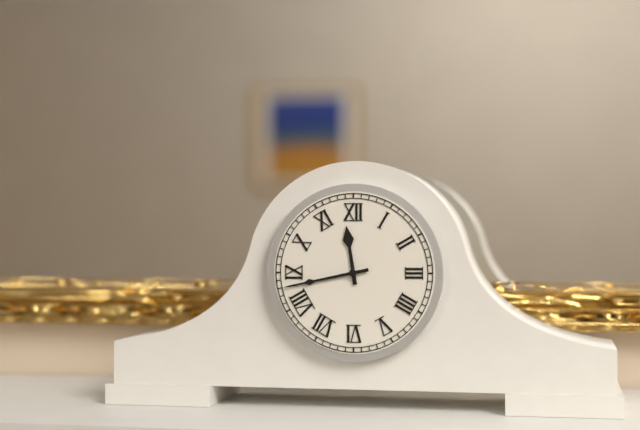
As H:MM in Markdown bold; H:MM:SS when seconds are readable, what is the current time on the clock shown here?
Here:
**11:43**
